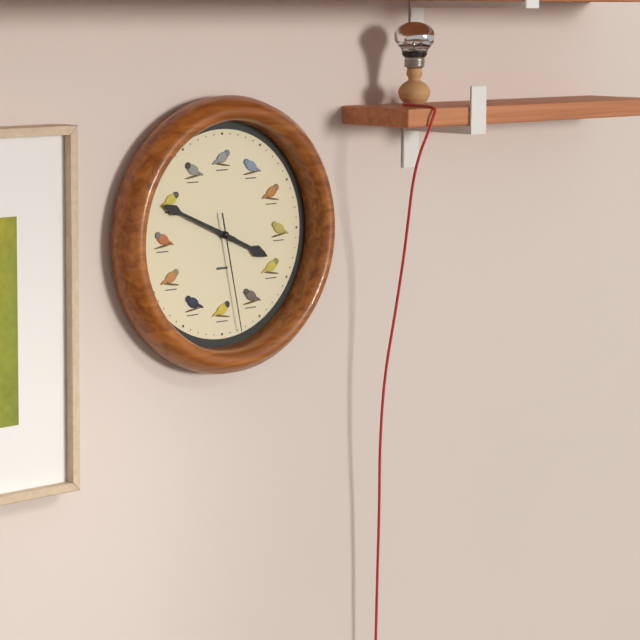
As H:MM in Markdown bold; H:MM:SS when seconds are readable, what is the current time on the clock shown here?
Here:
**3:49:28**
